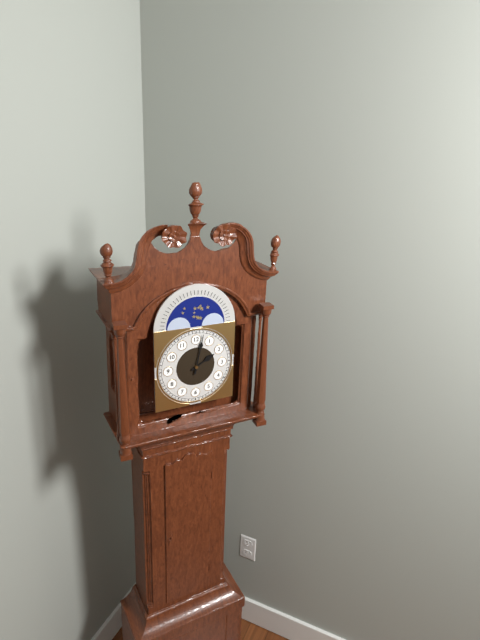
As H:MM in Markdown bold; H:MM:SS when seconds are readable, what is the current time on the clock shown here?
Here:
**2:02**
